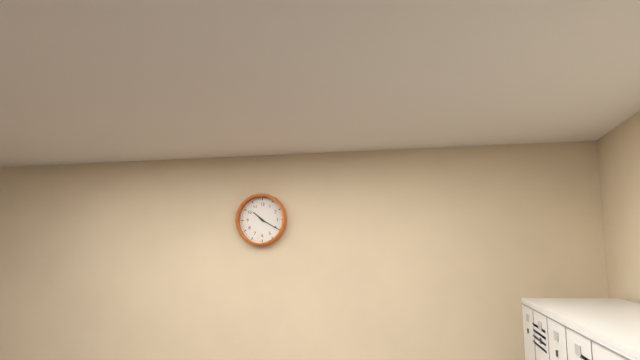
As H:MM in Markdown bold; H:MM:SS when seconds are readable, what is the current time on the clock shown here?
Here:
**10:20**
